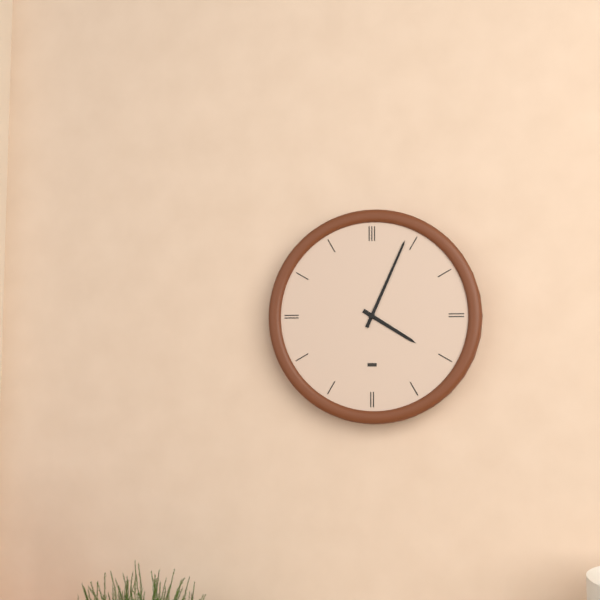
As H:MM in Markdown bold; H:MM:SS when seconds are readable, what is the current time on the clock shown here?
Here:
**4:04**
